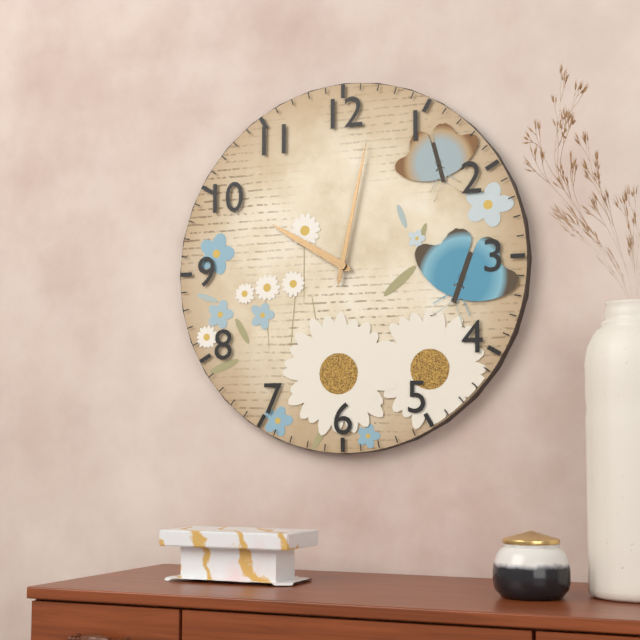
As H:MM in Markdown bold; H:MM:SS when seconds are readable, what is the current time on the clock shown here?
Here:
**10:02**
